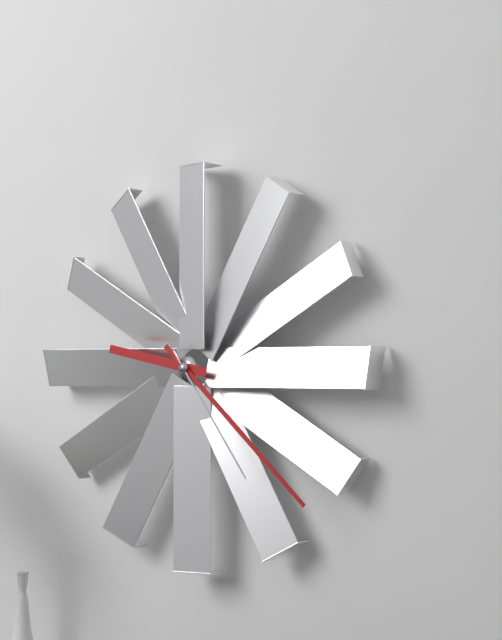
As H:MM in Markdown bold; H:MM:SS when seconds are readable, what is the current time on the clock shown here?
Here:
**9:22:24**
